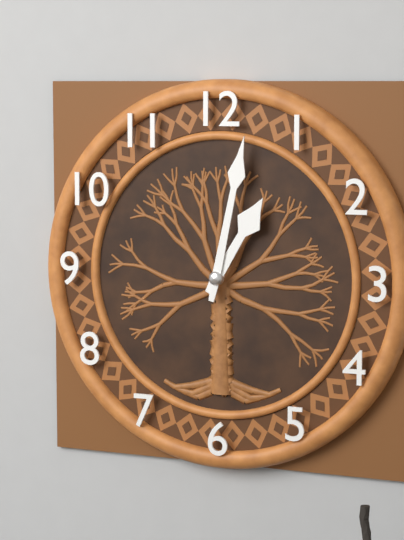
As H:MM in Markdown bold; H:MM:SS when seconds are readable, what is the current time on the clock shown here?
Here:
**1:02**
